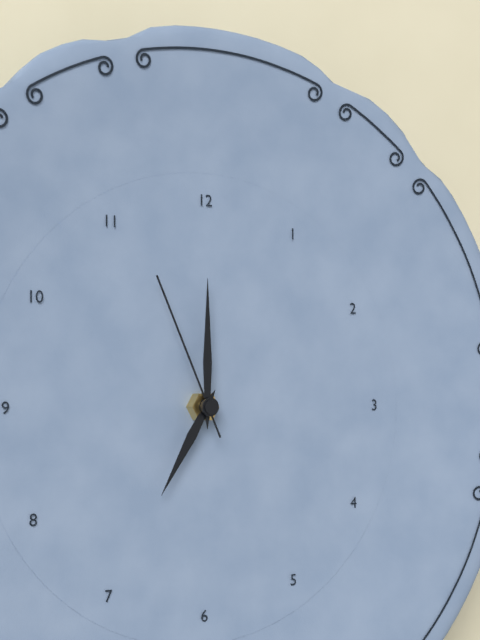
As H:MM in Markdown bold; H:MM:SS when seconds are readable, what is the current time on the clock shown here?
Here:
**7:00:56**
